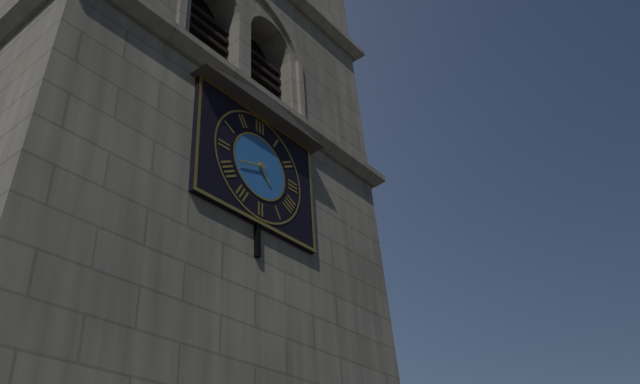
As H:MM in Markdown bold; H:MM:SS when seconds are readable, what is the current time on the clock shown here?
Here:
**4:42**
